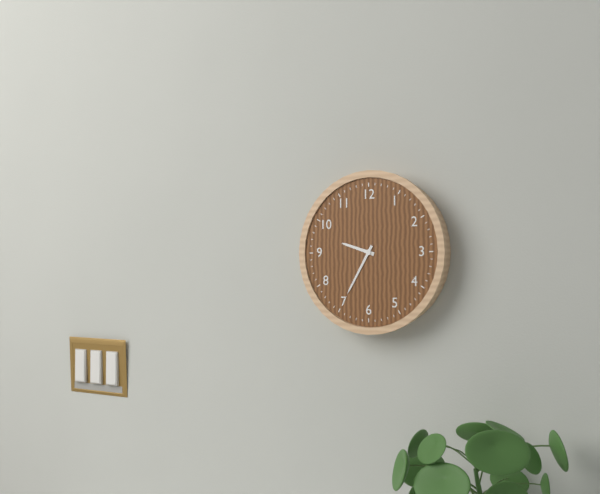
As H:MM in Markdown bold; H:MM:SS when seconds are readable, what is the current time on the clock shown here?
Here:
**9:35**
